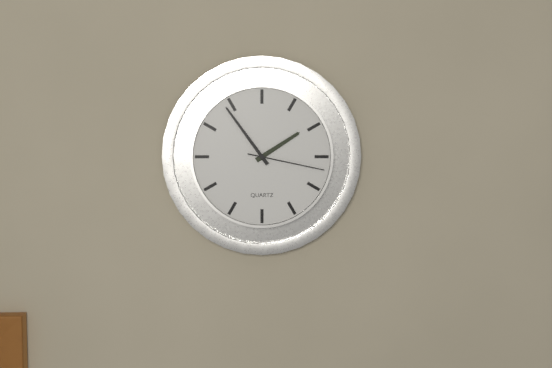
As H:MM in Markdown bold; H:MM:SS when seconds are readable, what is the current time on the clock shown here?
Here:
**1:54:17**
